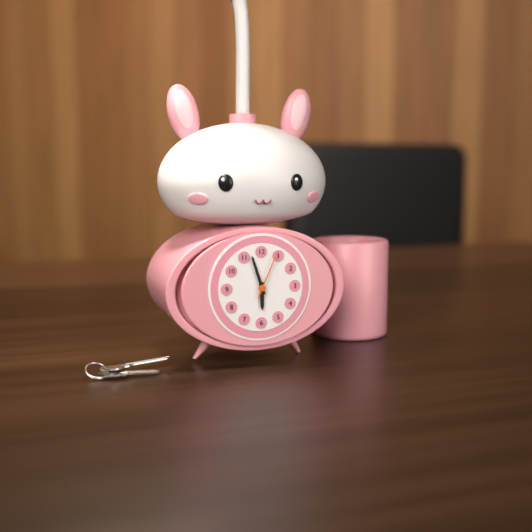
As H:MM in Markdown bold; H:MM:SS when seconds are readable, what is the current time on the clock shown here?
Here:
**5:57**
